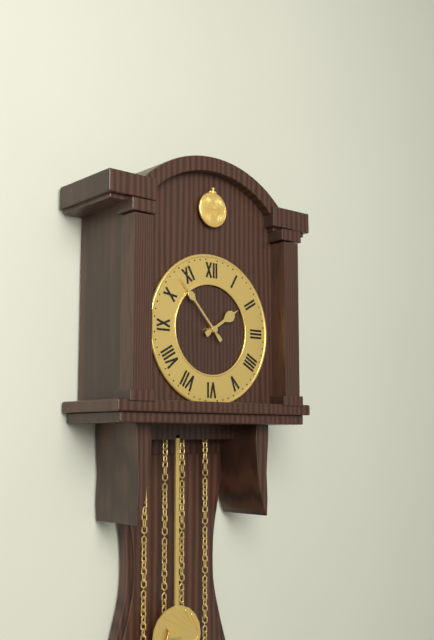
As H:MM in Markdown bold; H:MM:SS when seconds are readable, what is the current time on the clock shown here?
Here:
**1:53**
